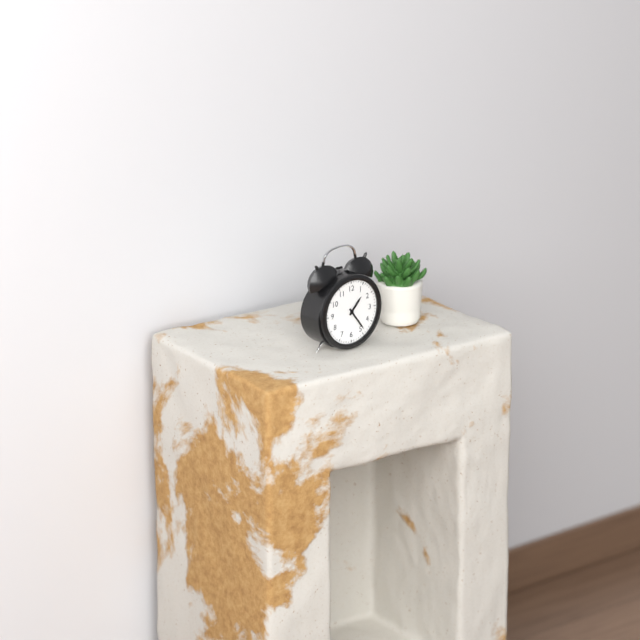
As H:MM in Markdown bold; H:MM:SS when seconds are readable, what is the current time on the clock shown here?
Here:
**1:24**
